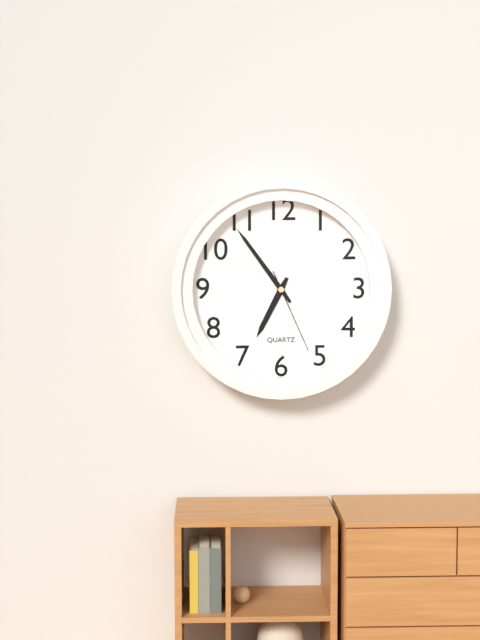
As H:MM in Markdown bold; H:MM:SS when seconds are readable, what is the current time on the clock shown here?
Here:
**6:54:26**
